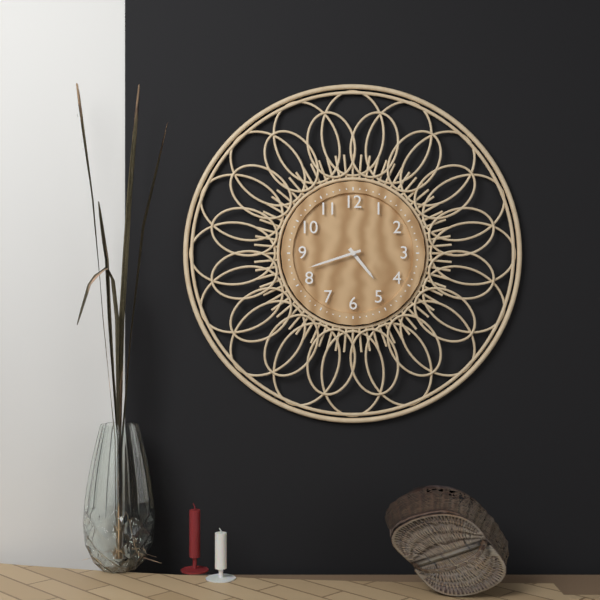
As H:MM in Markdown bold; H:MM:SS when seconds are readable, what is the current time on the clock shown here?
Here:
**4:42**
